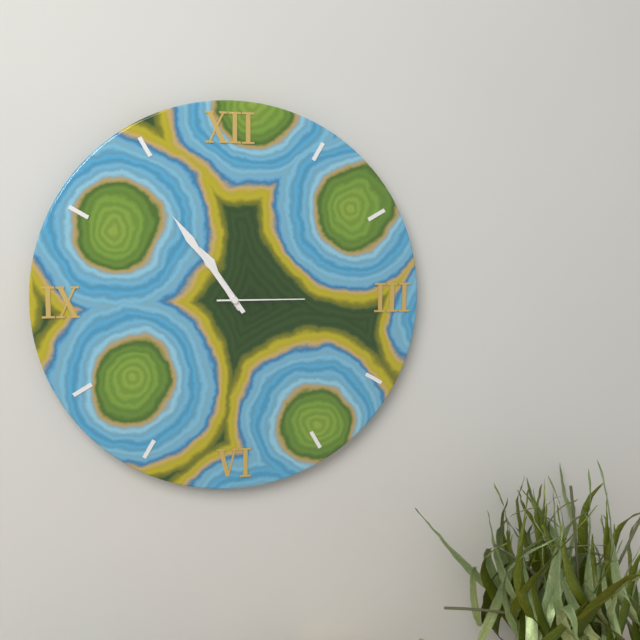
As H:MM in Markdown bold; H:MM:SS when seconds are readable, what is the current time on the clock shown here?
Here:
**10:54:15**
